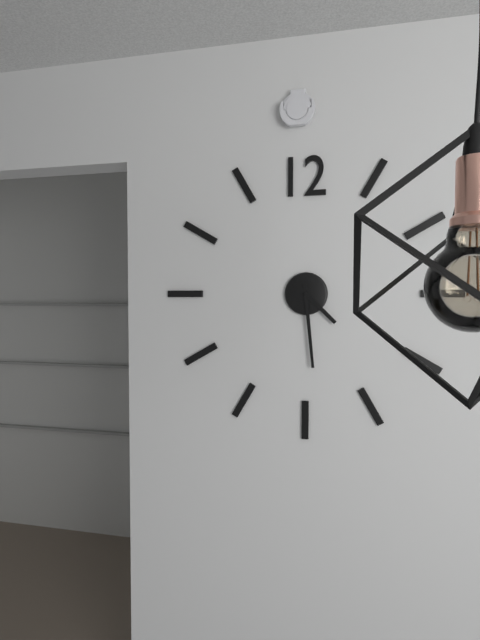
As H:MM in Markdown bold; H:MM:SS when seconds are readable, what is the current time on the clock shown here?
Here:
**4:29**
